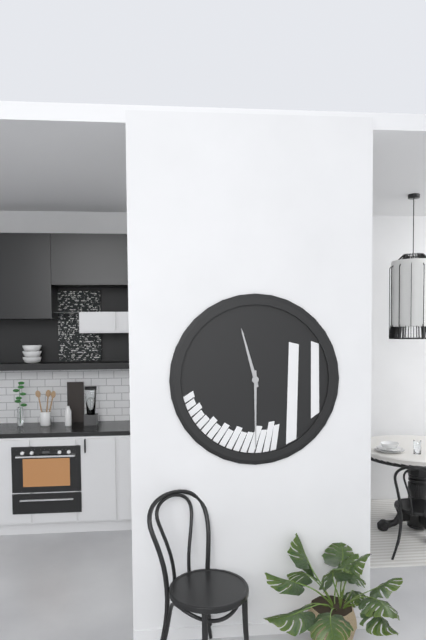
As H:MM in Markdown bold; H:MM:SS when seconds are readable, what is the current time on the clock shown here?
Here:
**11:30**
